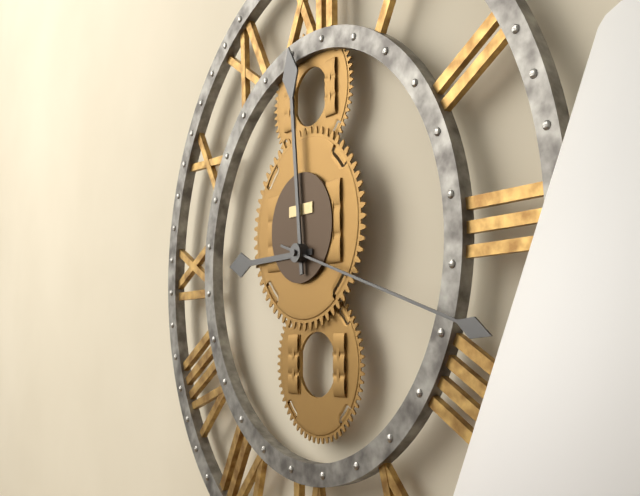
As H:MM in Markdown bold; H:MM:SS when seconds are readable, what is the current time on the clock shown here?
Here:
**8:59:18**
